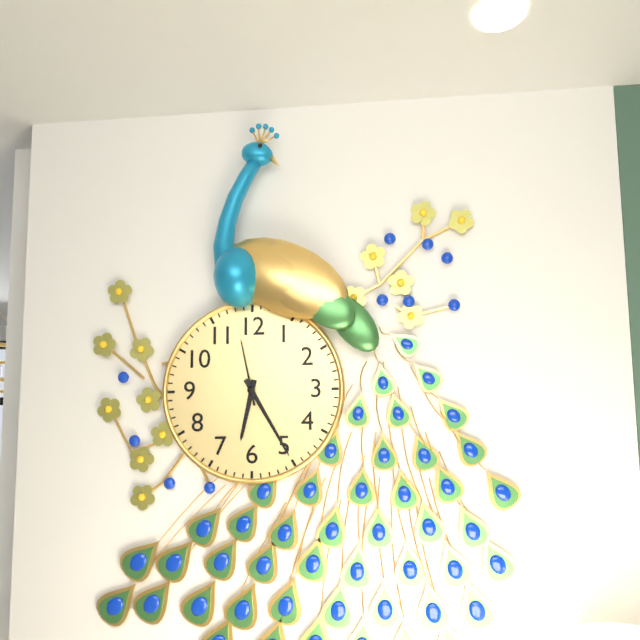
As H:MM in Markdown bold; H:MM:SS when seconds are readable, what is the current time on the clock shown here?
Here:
**6:25:58**
